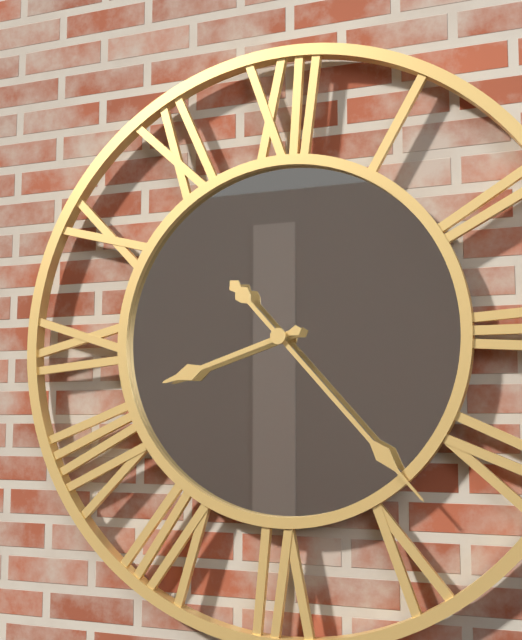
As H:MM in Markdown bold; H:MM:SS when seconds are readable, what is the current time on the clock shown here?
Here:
**8:23**
